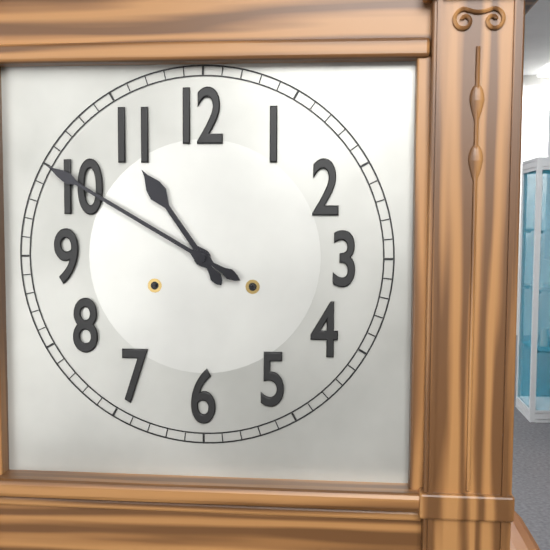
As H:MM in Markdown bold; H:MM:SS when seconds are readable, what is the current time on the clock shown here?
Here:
**10:50**
